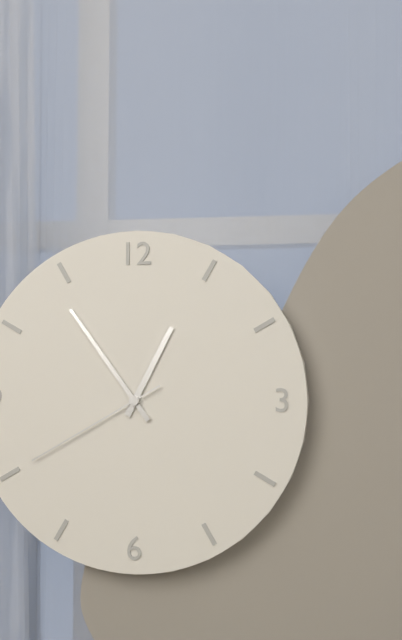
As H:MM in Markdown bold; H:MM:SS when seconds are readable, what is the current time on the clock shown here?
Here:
**12:54:40**
